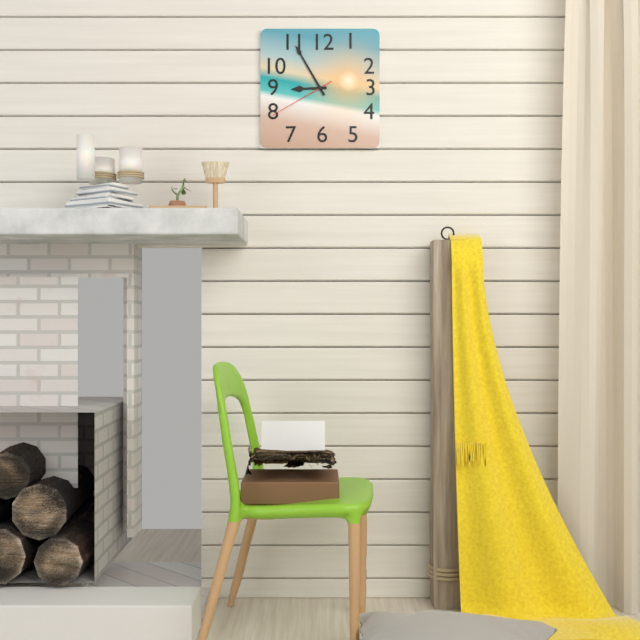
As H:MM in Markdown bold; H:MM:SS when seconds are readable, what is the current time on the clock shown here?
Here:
**8:55:40**
